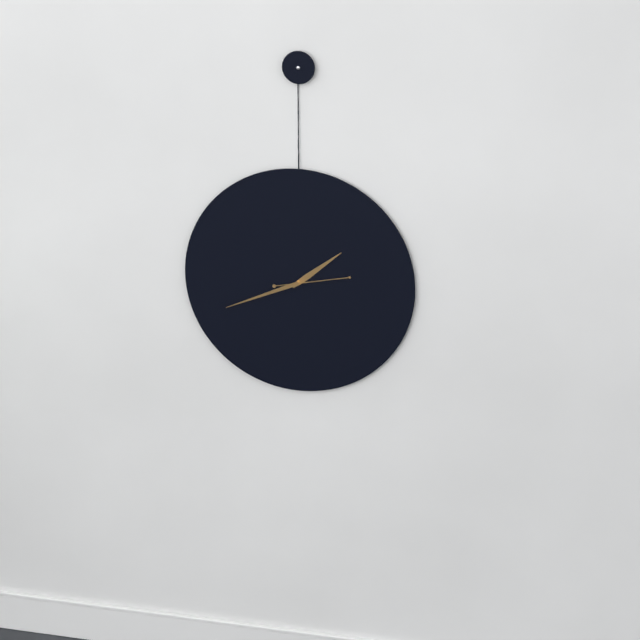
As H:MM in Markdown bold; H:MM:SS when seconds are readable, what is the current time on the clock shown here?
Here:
**1:41:13**
